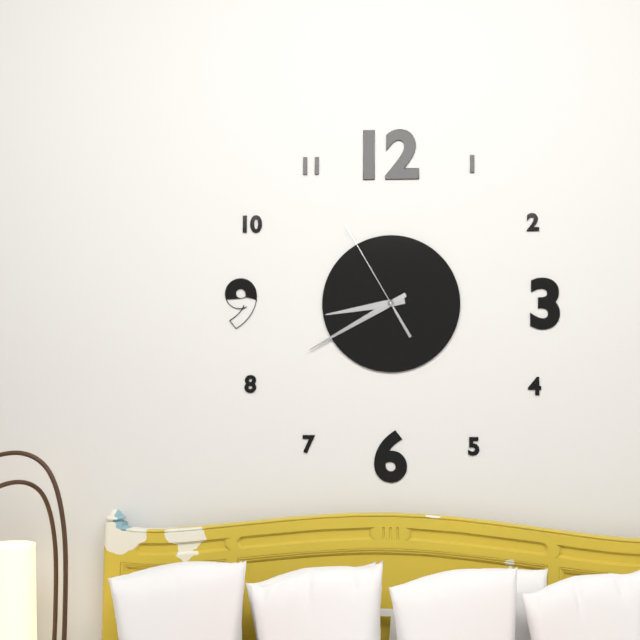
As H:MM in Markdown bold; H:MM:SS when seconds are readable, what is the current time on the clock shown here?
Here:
**8:40:55**
